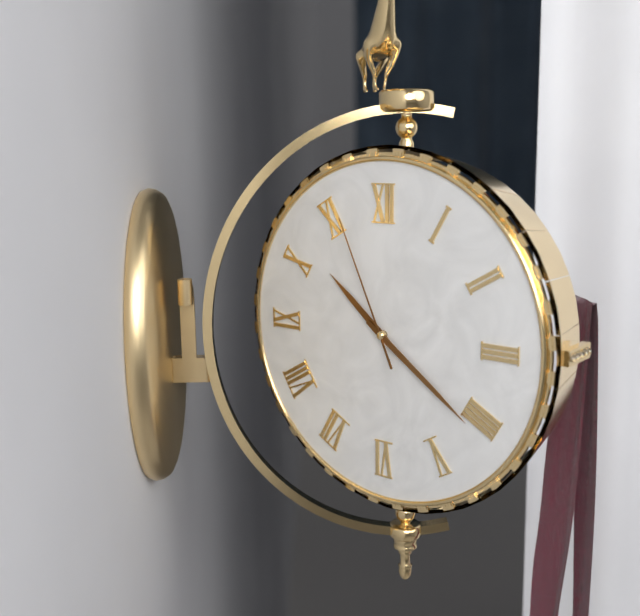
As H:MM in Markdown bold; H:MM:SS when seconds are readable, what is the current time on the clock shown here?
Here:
**10:21:56**
